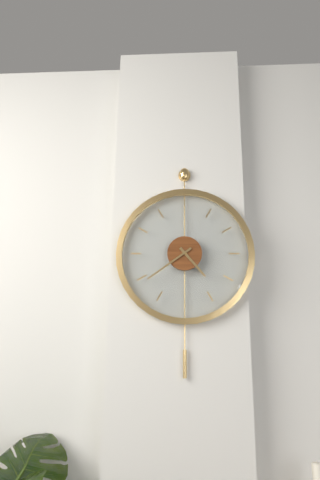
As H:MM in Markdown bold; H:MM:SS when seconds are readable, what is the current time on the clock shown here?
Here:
**4:39**
